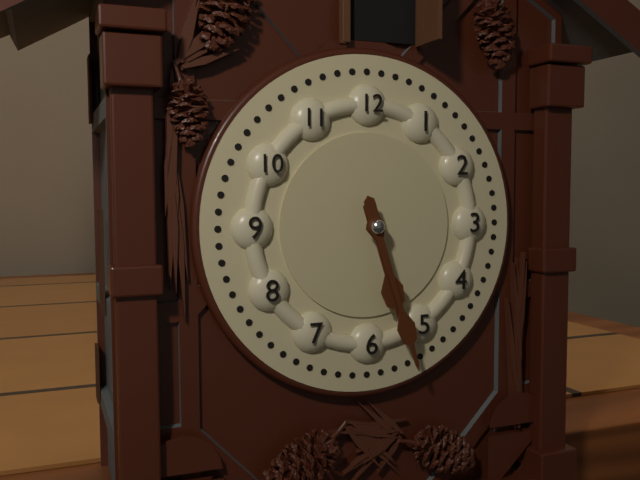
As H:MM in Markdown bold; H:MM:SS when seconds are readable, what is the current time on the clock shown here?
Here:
**5:27**
